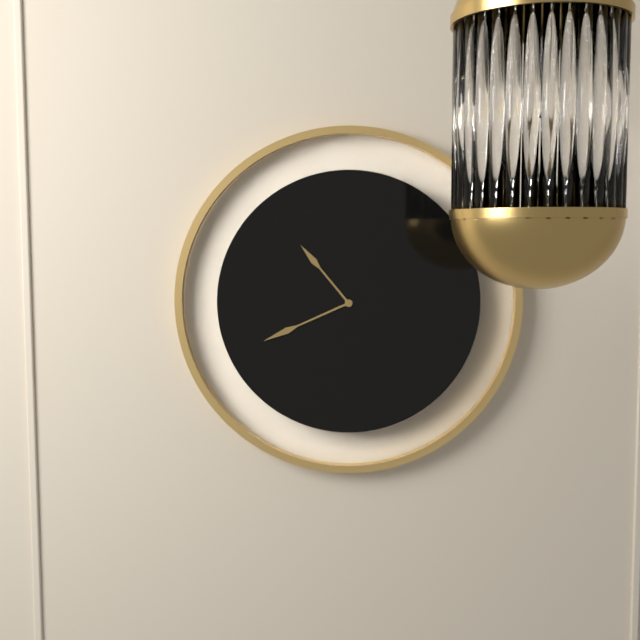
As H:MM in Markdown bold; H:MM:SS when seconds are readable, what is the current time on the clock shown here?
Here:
**10:41**
